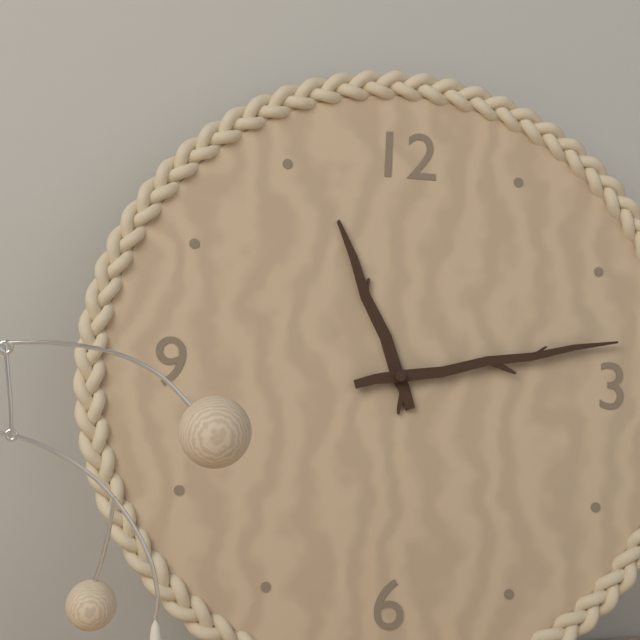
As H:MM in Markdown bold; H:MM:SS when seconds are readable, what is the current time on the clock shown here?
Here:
**11:13**
